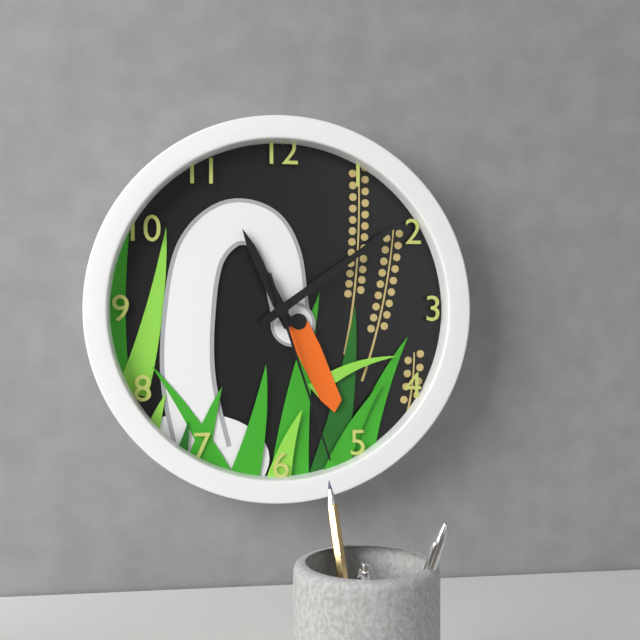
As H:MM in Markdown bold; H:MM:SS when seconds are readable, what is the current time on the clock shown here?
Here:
**11:09:27**
